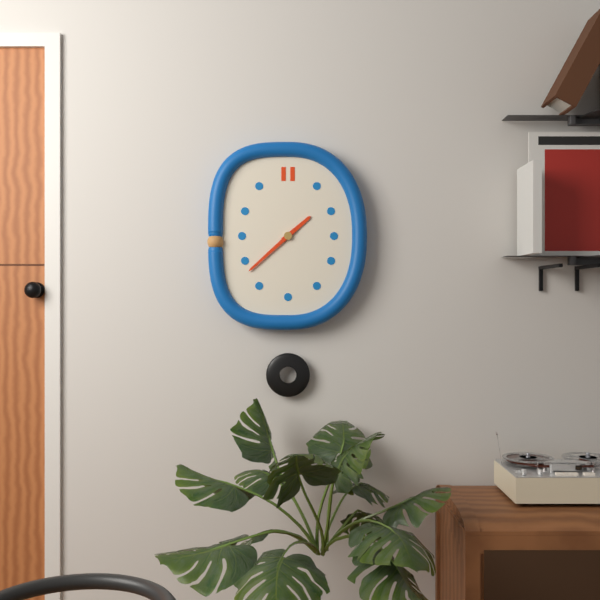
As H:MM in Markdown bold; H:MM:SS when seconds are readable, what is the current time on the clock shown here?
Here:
**1:38**
